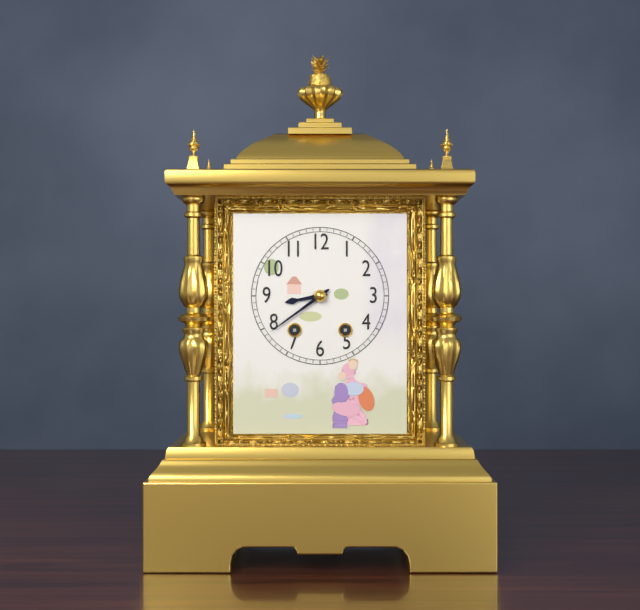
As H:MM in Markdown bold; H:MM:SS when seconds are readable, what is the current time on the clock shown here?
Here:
**8:39**
